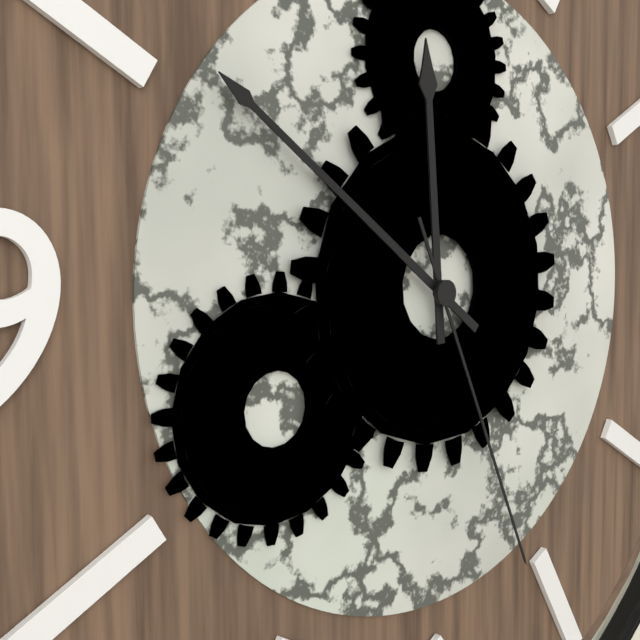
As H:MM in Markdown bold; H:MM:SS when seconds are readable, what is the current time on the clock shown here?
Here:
**11:51:26**
